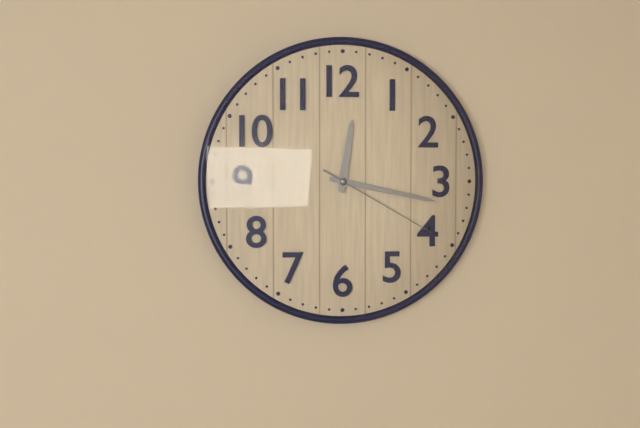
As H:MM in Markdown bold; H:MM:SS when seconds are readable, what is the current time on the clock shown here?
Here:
**12:17:20**
